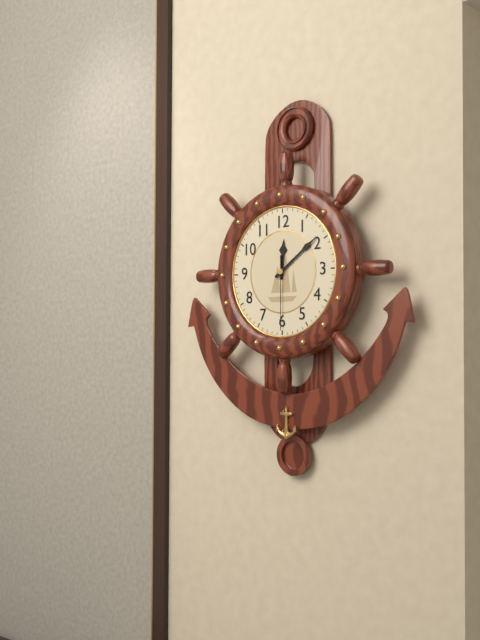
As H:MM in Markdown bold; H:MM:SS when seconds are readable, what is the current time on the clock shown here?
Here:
**12:09:30**
